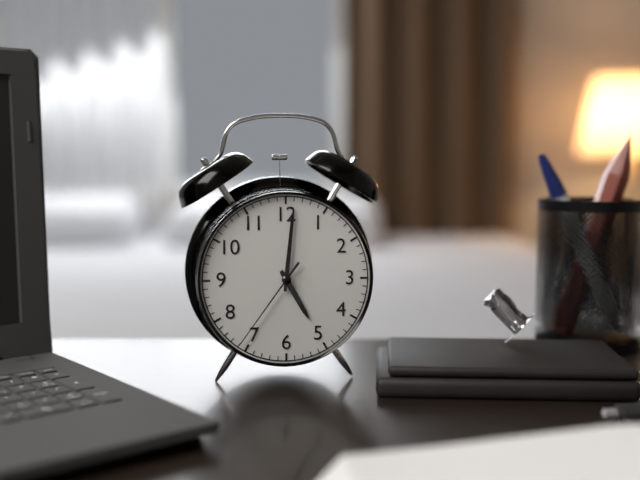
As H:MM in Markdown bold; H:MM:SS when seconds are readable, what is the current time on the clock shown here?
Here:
**5:01:36**
